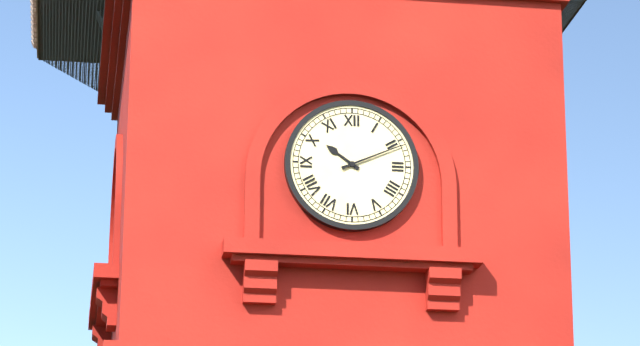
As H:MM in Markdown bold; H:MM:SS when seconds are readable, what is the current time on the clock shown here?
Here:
**10:11**
